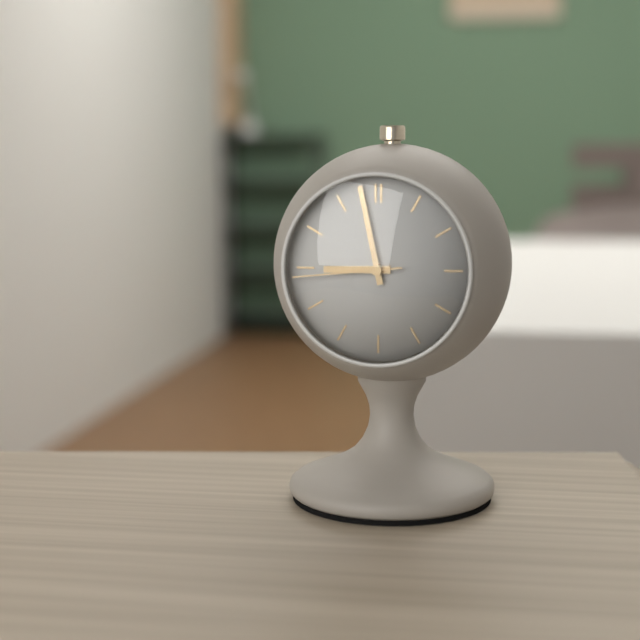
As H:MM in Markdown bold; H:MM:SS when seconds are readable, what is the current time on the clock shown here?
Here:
**8:58:44**
